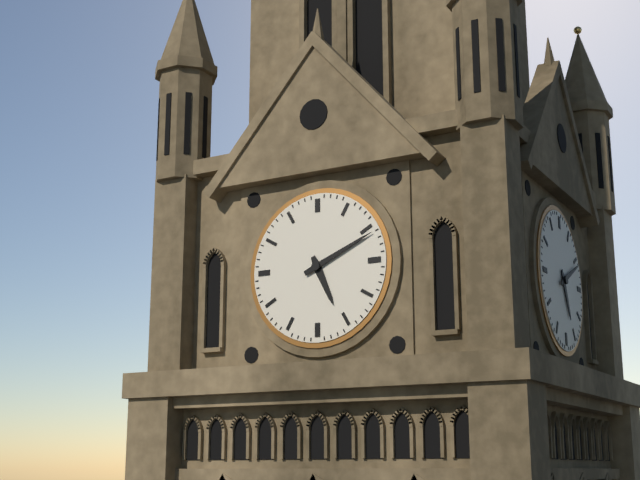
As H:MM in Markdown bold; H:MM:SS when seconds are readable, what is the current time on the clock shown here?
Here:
**5:11**
